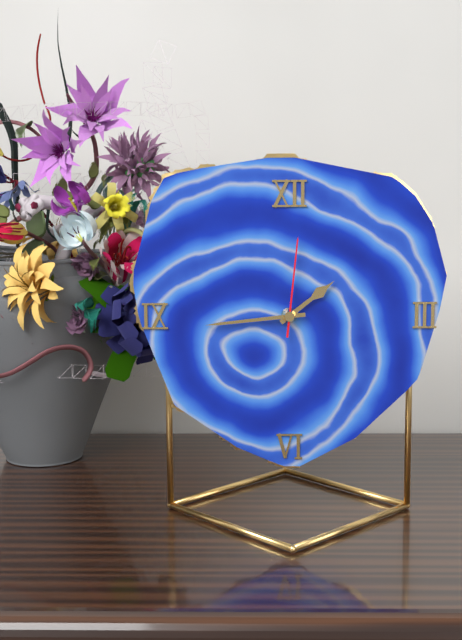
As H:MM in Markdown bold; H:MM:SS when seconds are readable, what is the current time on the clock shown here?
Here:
**1:44:01**
